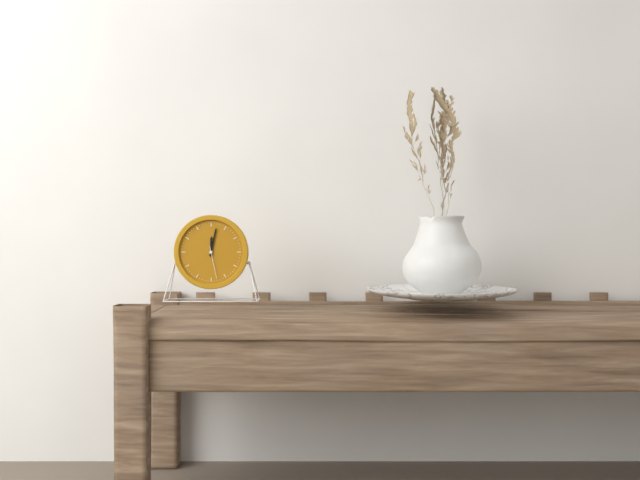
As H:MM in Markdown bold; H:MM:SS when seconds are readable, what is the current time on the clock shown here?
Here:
**12:02**
